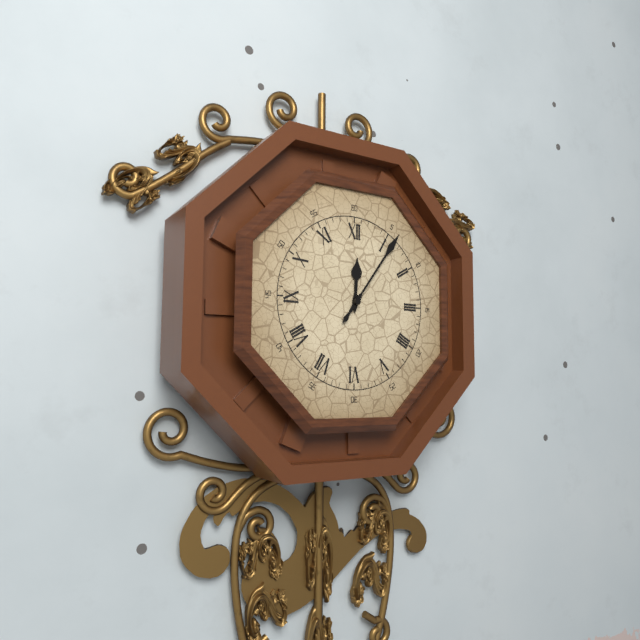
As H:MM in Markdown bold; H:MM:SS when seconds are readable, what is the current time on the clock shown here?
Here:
**12:06**
